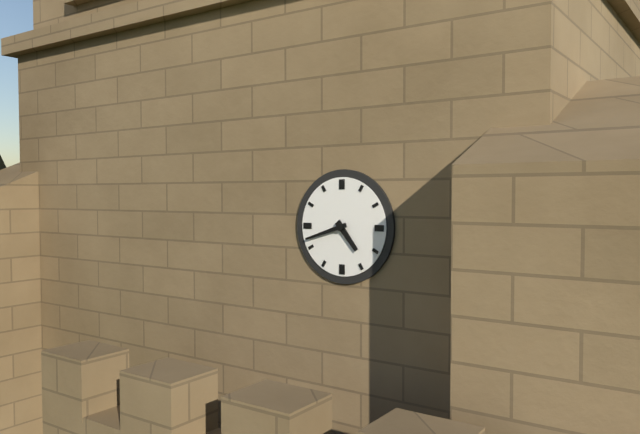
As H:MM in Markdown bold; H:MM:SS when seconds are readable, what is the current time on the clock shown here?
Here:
**4:42**
